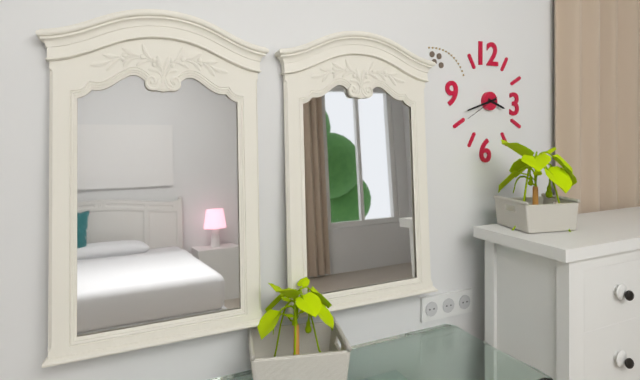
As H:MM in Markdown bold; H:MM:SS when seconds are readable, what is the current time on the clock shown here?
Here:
**3:42**
